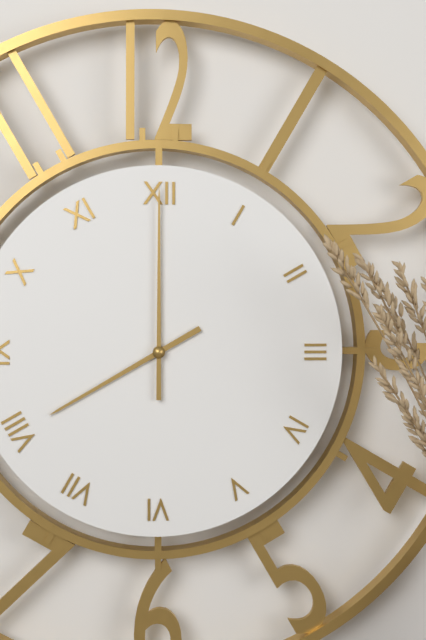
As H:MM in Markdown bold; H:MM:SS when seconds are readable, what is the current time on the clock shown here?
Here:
**8:00**
